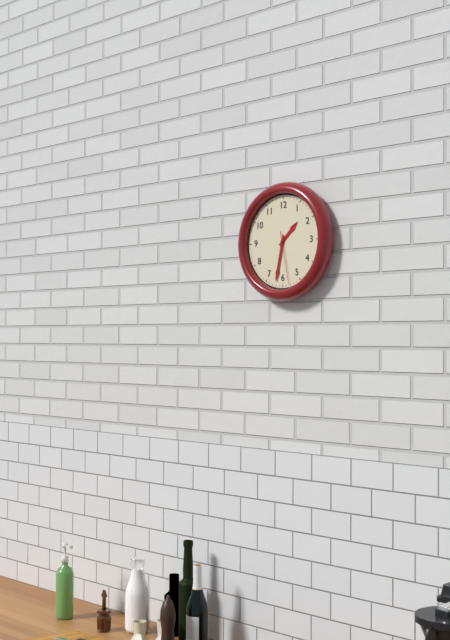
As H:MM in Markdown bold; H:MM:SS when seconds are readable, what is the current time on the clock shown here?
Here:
**1:32:28**
